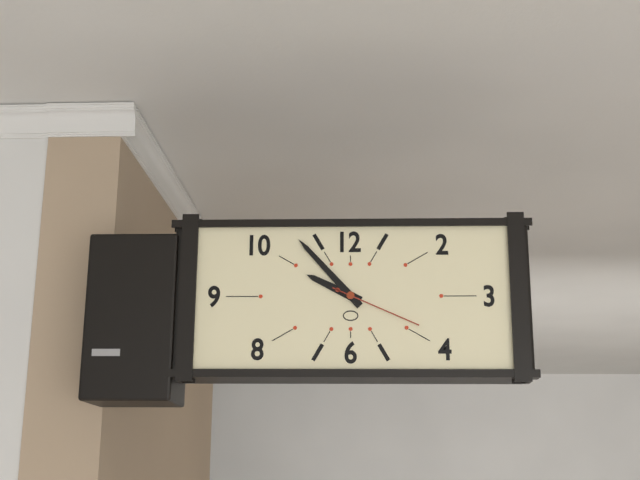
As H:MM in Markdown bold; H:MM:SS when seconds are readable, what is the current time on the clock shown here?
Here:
**9:53:19**
